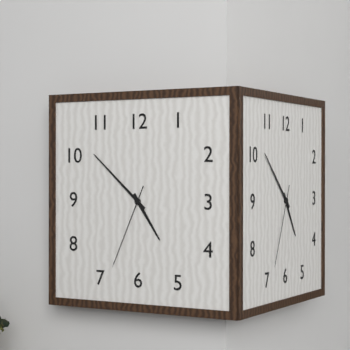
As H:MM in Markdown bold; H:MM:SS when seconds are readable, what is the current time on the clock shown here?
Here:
**4:52:34**
